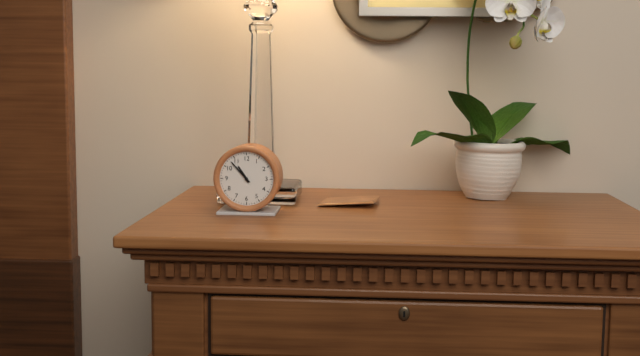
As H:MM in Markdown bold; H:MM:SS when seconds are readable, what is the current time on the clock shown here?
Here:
**10:53**
